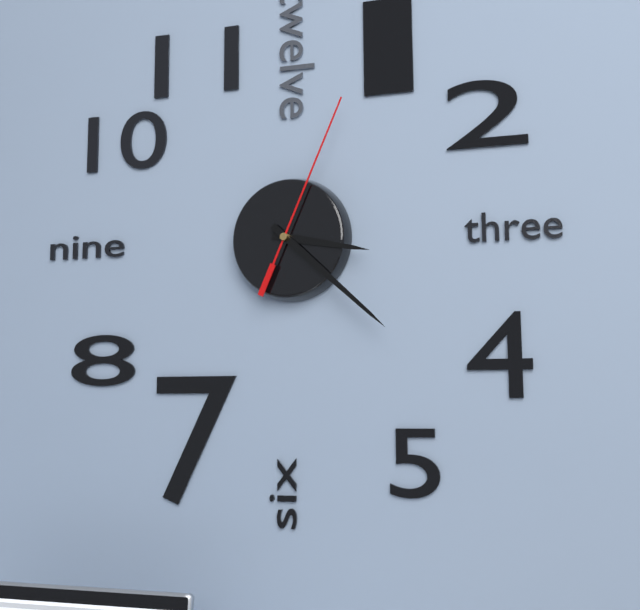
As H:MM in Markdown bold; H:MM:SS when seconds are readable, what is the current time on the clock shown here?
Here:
**3:22:04**
